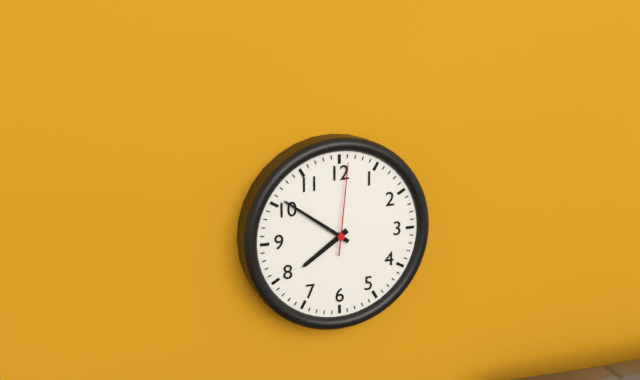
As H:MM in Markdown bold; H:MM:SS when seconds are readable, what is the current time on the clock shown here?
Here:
**7:51:01**
